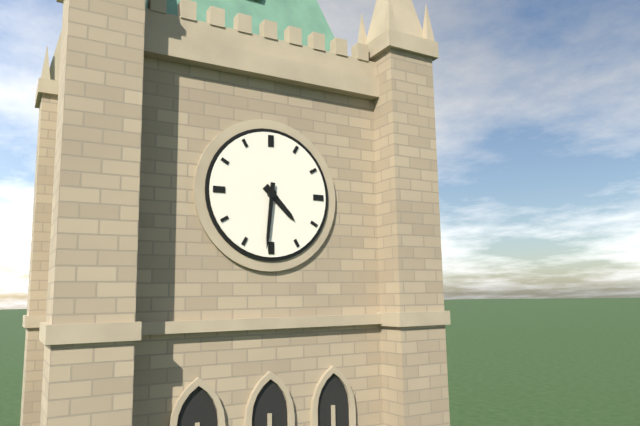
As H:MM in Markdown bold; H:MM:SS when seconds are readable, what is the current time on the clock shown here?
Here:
**4:31**
